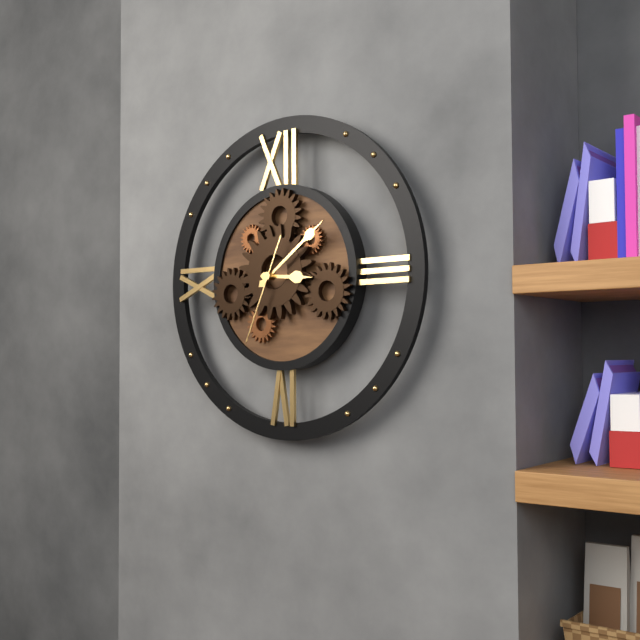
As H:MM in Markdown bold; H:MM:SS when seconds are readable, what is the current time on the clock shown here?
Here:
**3:09:34**
